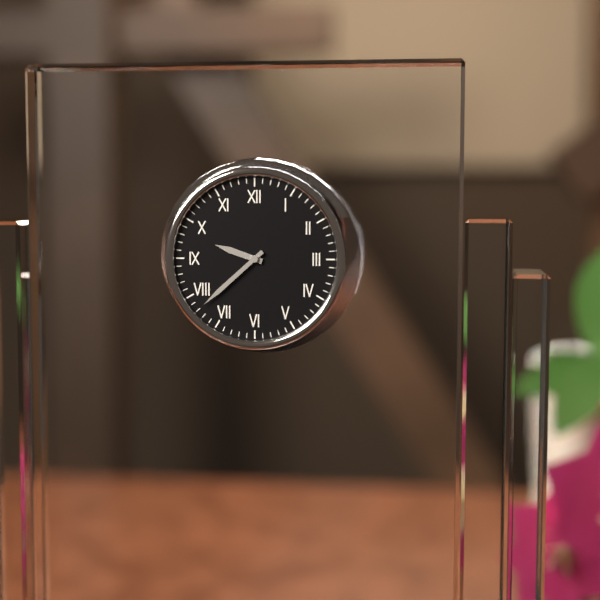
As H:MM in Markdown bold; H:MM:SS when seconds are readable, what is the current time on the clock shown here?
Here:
**9:38**
